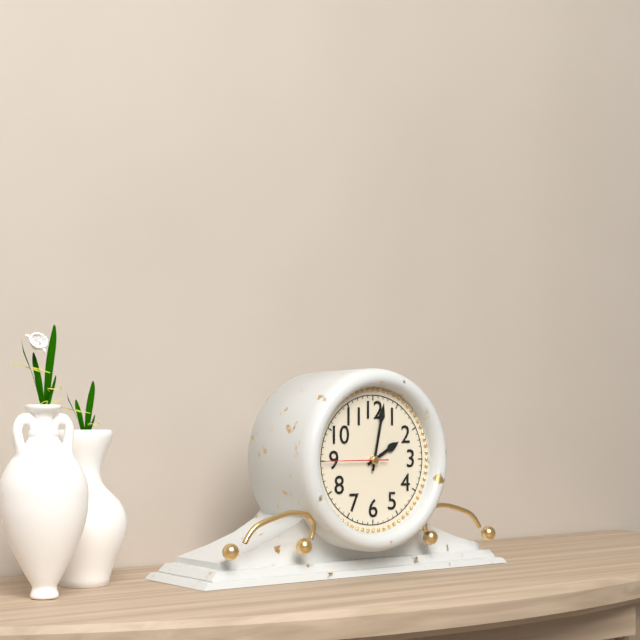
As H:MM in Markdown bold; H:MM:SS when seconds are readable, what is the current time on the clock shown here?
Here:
**2:02:45**
